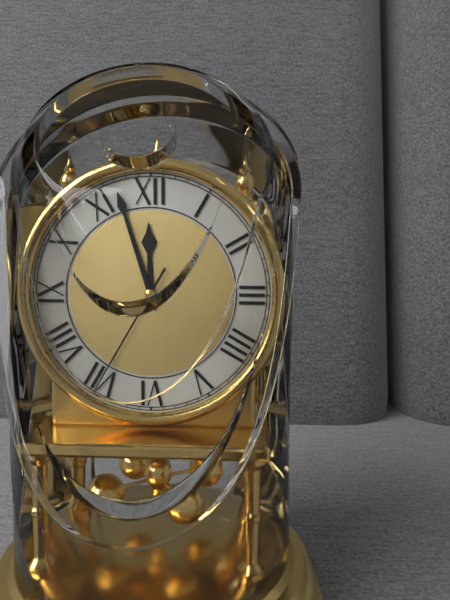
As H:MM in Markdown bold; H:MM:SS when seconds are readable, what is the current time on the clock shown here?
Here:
**11:57:35**
